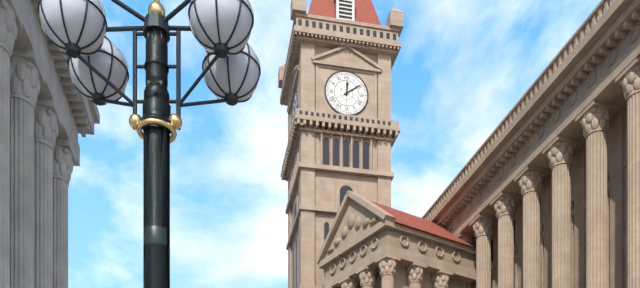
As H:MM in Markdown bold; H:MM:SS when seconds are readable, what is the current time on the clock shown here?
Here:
**12:09**
